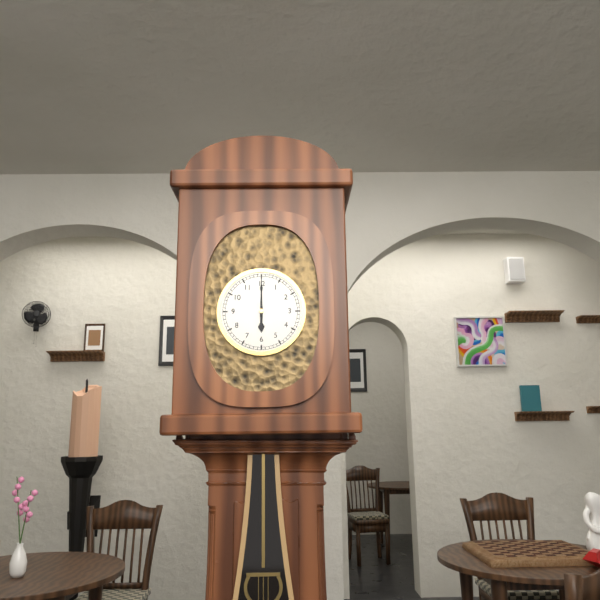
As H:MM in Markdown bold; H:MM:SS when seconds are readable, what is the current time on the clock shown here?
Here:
**6:00**
